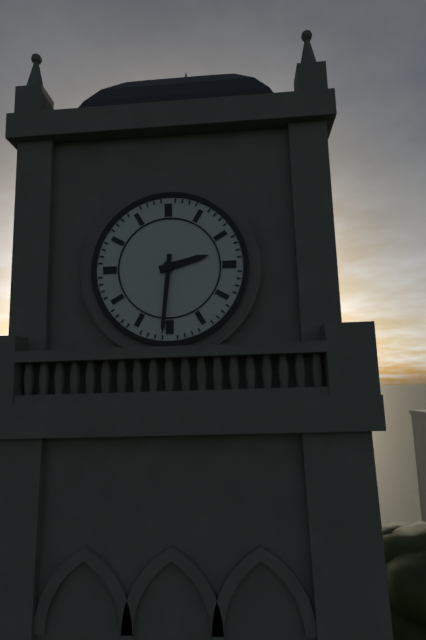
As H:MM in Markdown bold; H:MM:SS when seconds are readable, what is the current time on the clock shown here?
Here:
**2:31**
